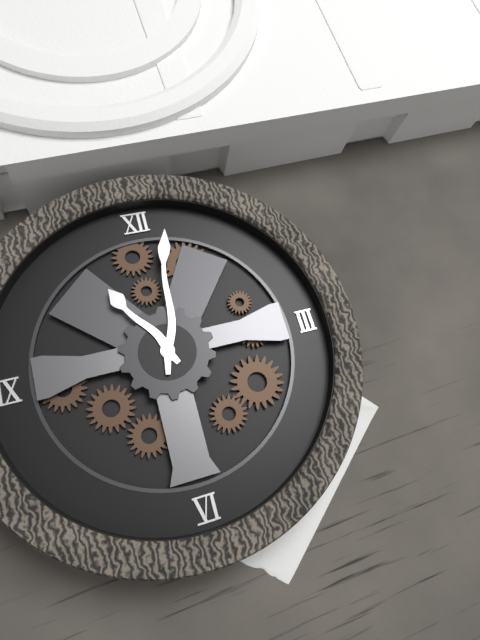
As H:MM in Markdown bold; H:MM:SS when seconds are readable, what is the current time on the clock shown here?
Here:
**11:02**
